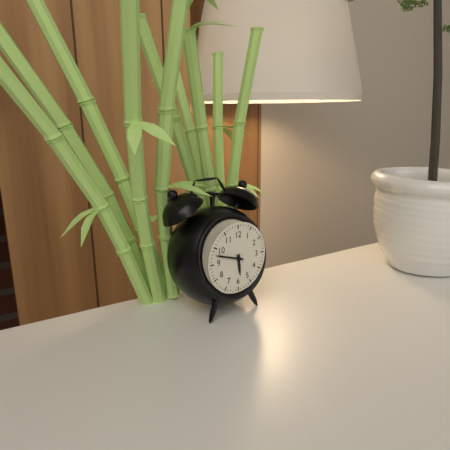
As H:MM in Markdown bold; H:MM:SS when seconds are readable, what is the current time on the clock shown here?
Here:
**5:48**
